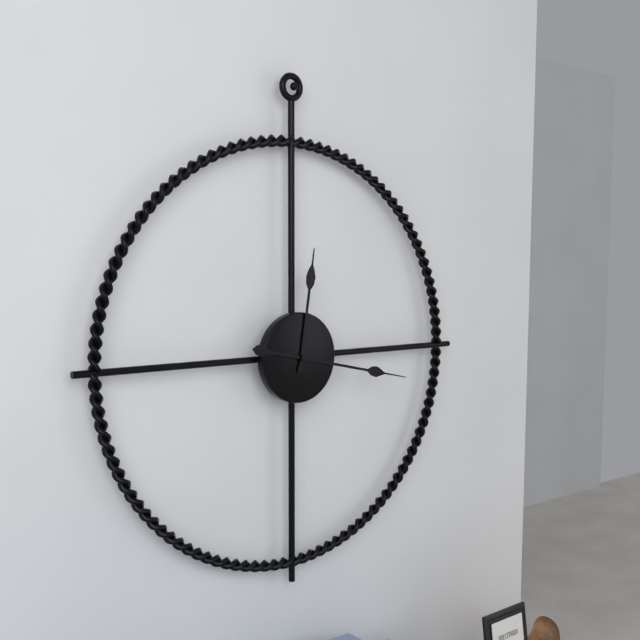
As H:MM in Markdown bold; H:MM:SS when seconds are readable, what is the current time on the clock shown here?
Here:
**12:17**
